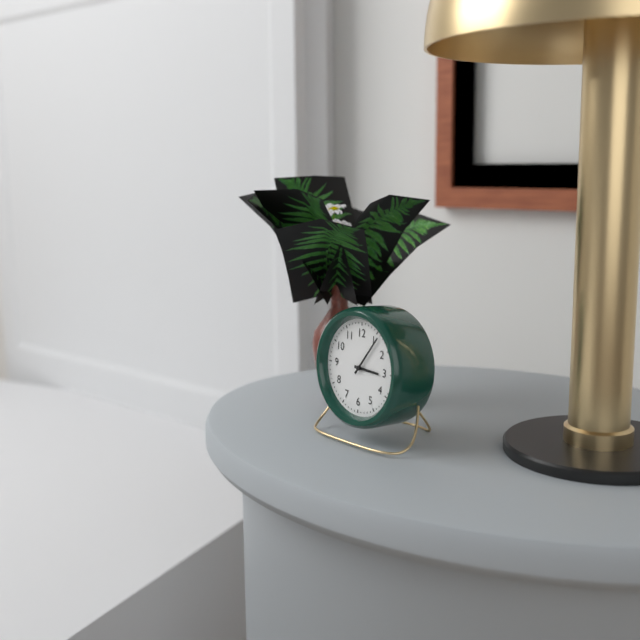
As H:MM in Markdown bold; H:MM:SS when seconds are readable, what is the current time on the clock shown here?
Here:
**3:06**
